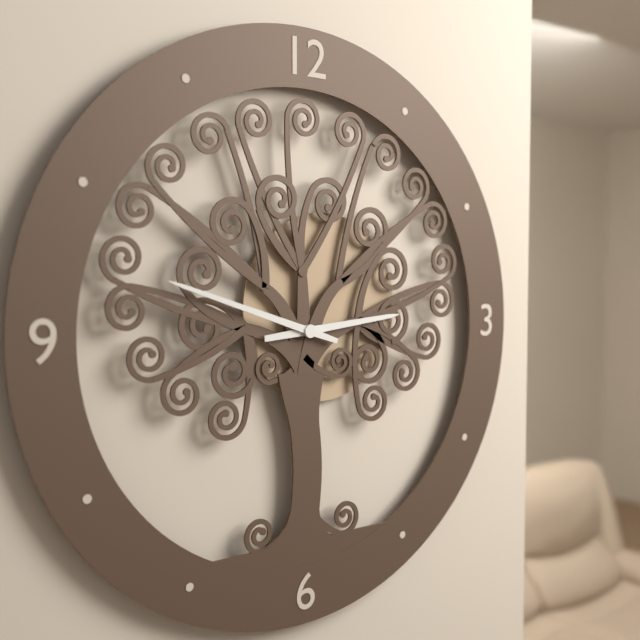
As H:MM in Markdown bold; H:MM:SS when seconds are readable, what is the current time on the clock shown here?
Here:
**2:48**
